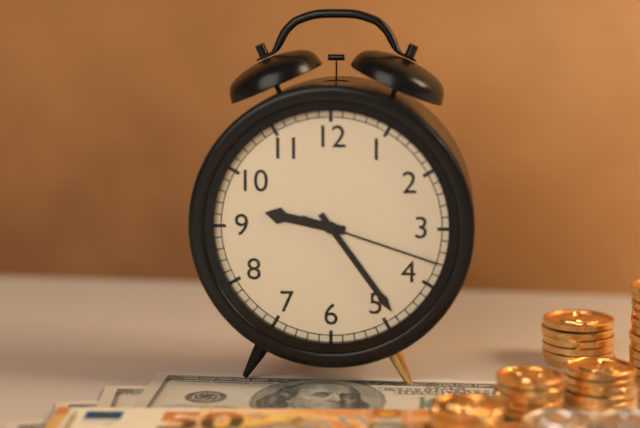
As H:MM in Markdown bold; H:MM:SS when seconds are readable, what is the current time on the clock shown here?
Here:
**9:24:18**
